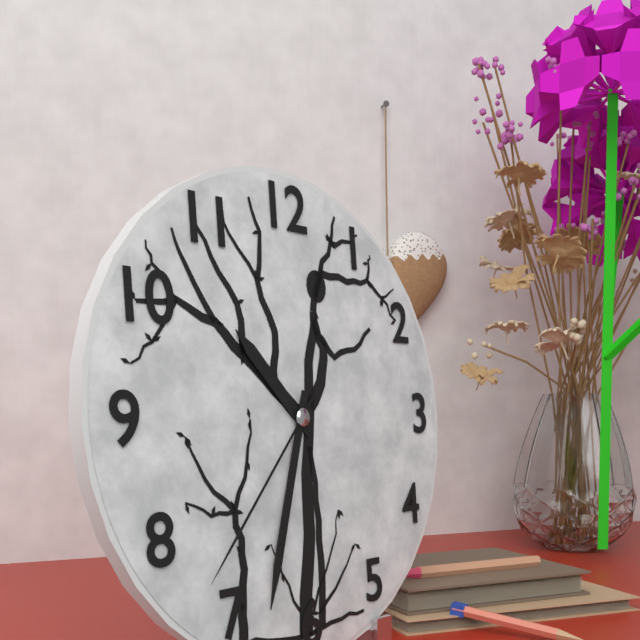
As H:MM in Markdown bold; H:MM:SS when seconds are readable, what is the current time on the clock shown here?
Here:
**10:33:37**
